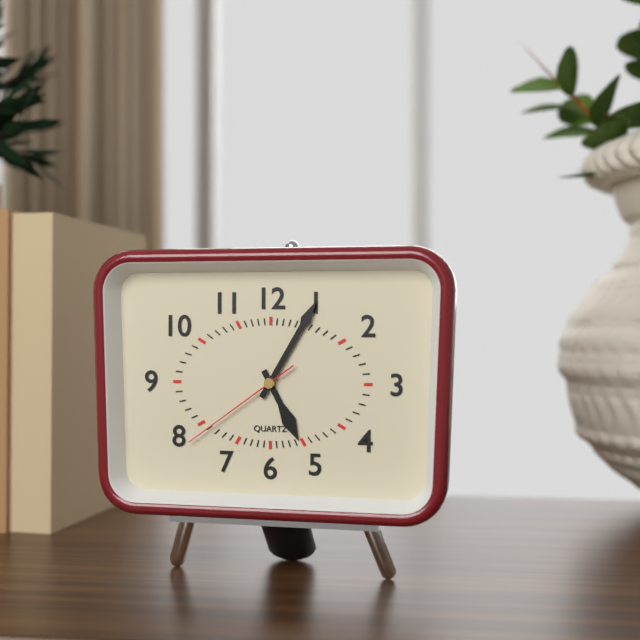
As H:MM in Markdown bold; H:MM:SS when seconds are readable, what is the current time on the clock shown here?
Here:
**5:05:39**
